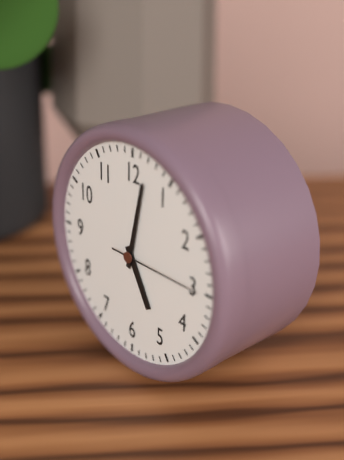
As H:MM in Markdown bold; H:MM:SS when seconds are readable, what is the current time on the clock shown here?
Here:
**5:02:15**
